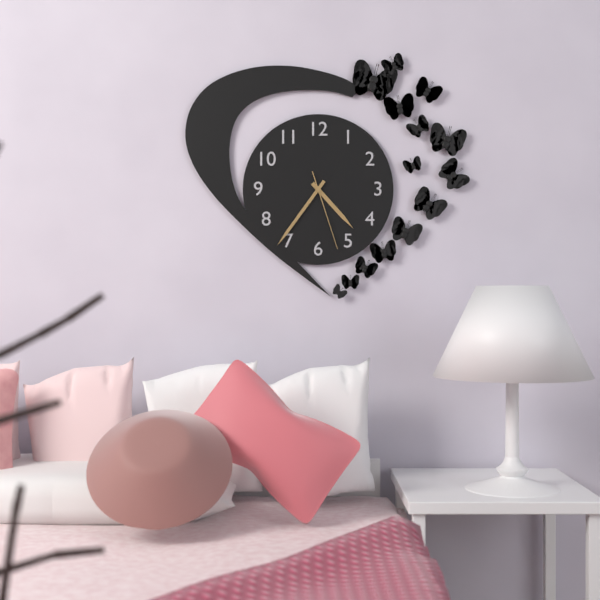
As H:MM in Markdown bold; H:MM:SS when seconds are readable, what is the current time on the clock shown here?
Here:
**4:36:27**
